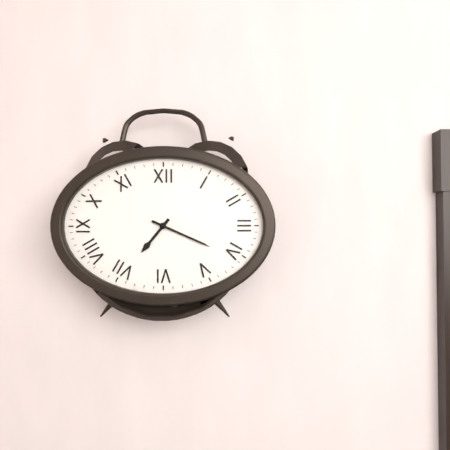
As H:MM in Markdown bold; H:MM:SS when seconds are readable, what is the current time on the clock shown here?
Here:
**7:19**
